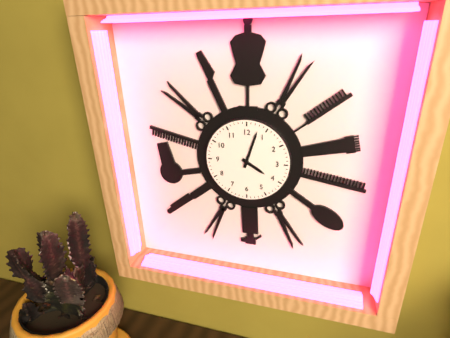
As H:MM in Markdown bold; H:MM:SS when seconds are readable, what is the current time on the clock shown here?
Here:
**4:03**
